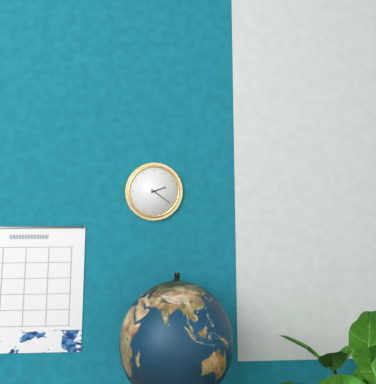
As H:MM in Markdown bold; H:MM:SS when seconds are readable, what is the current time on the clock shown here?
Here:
**2:21**
